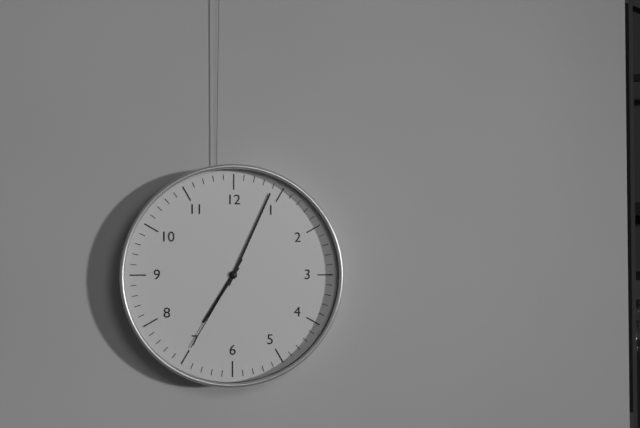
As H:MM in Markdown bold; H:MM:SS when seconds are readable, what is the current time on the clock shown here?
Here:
**7:04:35**
